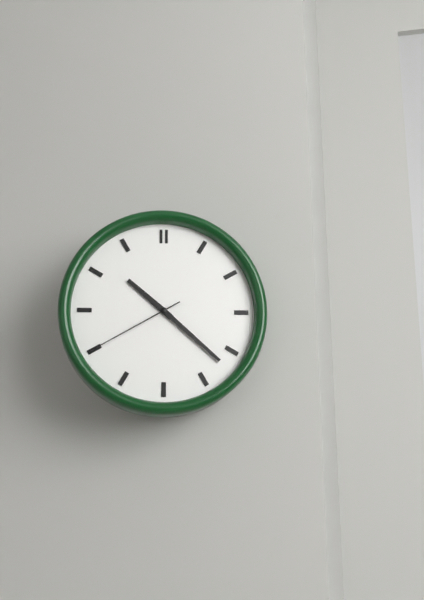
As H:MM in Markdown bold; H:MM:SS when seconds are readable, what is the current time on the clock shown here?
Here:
**10:22:40**
